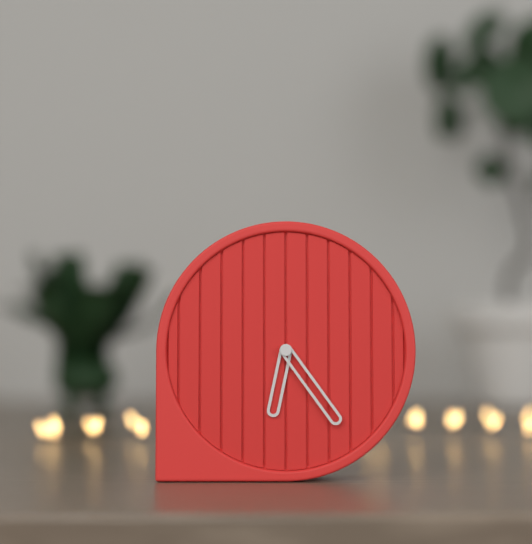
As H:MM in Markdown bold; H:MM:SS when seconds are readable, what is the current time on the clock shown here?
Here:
**6:24**
